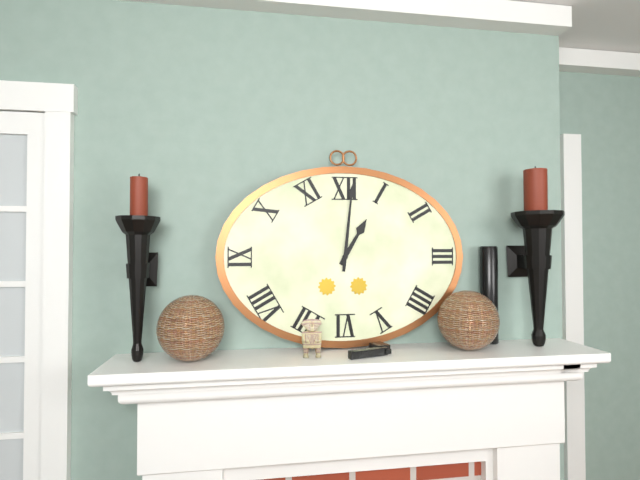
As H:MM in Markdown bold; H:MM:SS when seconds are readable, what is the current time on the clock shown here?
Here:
**1:01**
